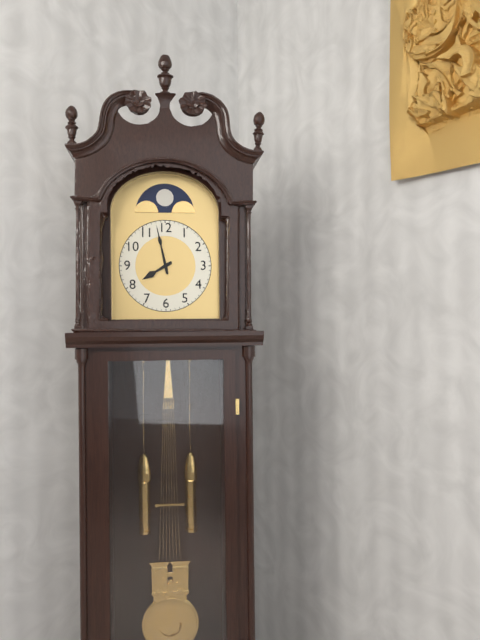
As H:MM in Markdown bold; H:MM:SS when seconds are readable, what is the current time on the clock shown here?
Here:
**7:58**
